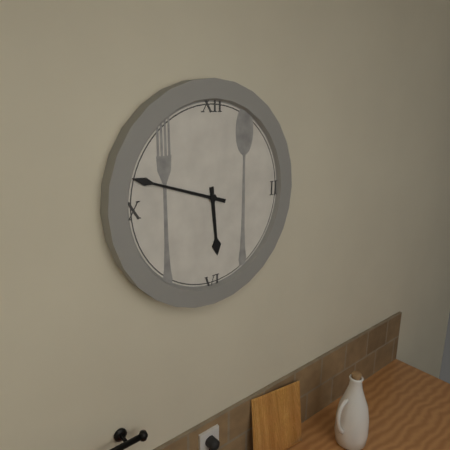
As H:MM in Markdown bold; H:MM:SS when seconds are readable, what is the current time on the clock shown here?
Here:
**5:48**
